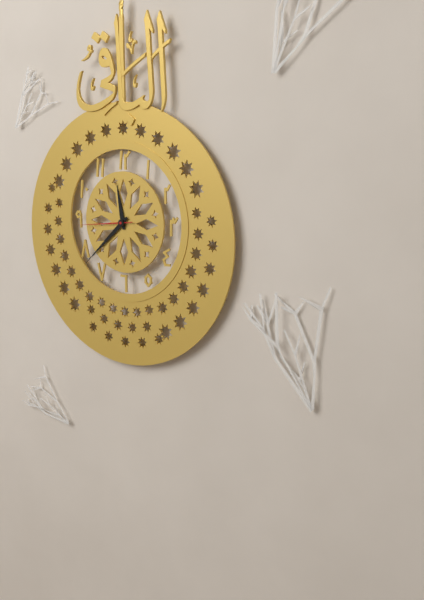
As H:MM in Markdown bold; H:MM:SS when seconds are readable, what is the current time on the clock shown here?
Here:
**11:38:44**
